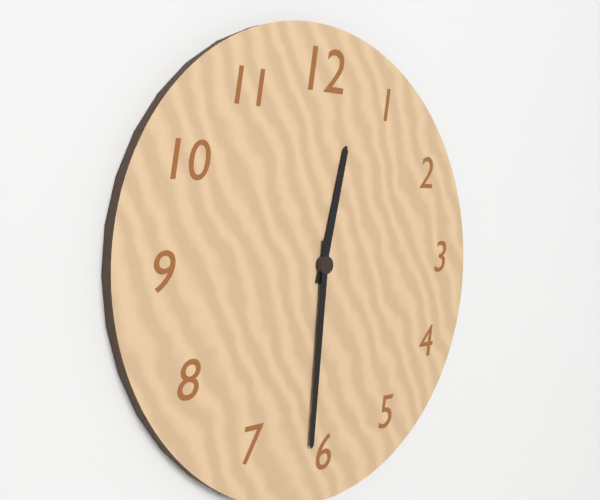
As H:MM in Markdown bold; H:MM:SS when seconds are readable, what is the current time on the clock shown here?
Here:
**12:31**
